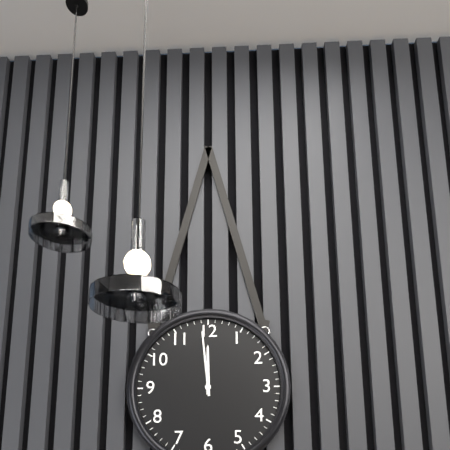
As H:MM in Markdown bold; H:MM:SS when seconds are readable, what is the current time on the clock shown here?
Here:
**11:59**
